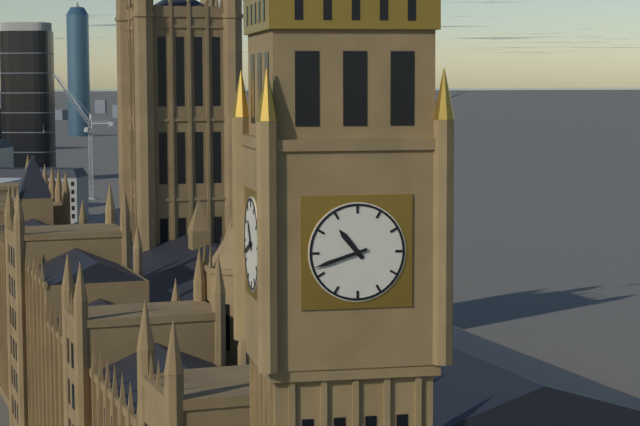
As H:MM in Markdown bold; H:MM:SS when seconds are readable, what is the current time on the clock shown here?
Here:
**10:42**
